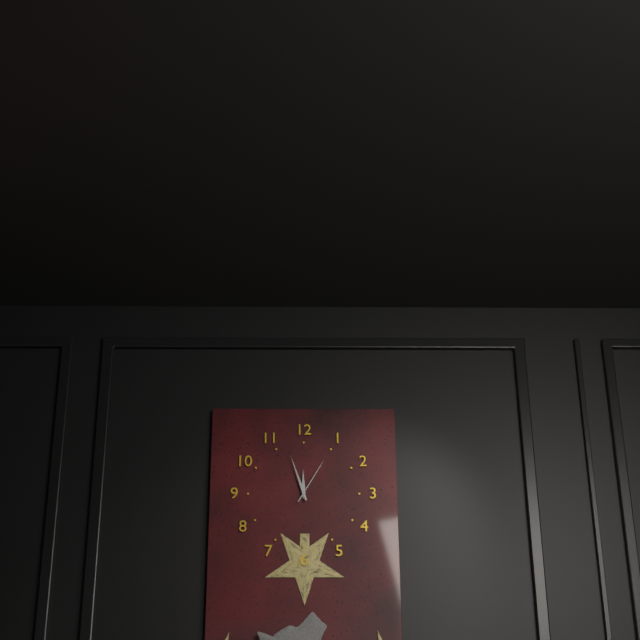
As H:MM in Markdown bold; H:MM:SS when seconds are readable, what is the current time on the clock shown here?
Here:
**11:57**
